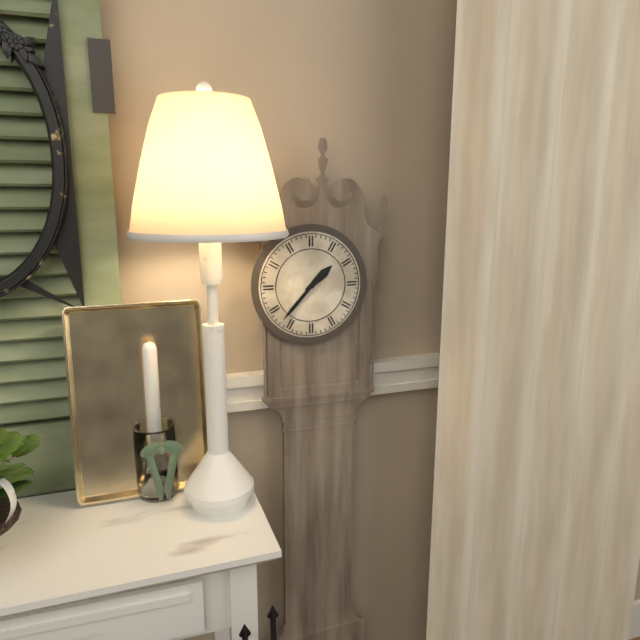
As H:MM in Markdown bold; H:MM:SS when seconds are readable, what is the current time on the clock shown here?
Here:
**1:37**
